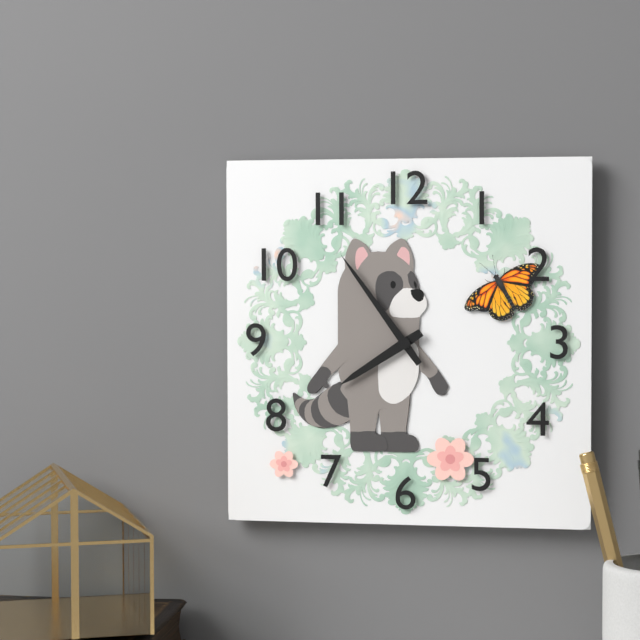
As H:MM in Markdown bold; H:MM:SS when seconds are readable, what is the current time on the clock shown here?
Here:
**7:54**
